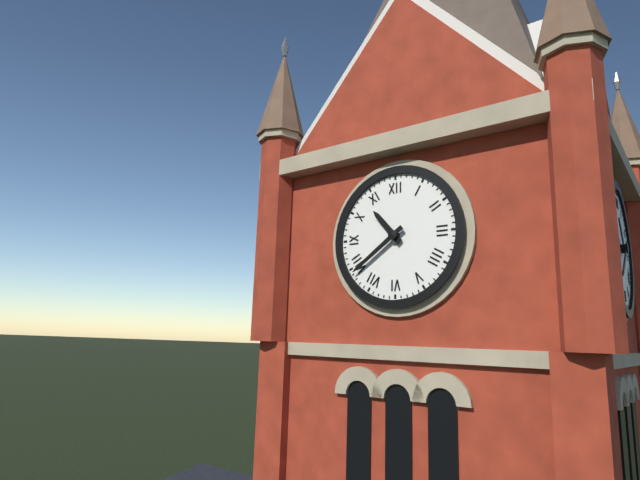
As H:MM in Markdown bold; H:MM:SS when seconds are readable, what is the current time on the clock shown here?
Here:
**10:39**
